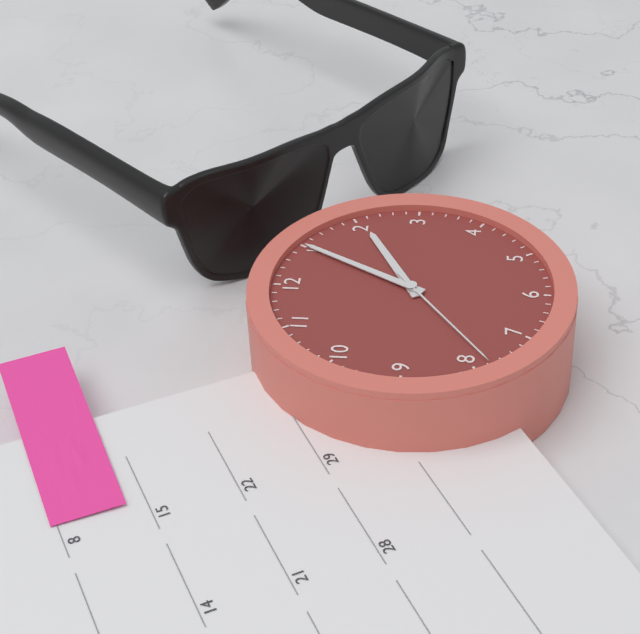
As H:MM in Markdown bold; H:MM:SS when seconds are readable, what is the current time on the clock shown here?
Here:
**2:05:39**
